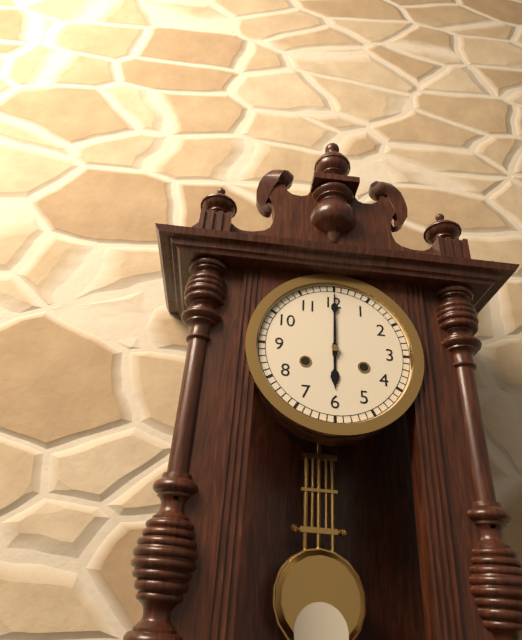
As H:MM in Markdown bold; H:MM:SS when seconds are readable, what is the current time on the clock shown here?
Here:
**6:00**
